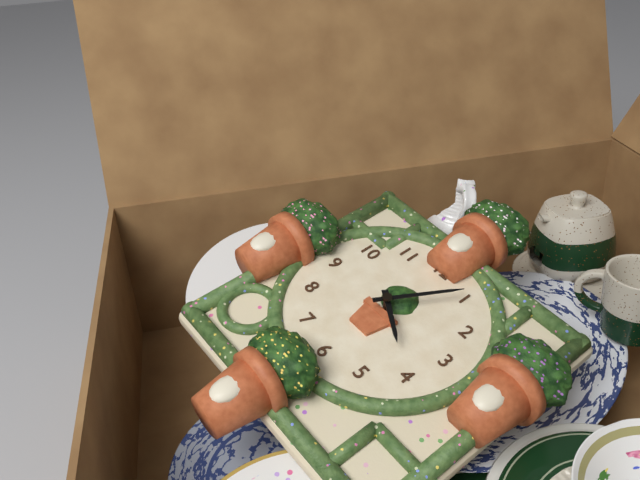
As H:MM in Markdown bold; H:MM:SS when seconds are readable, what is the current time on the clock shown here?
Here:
**4:05**
